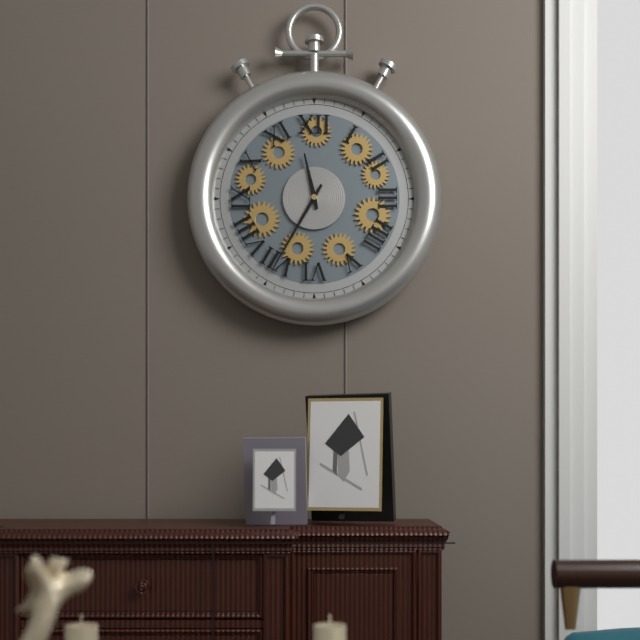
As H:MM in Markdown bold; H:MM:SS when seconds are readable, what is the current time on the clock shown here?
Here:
**11:35**
